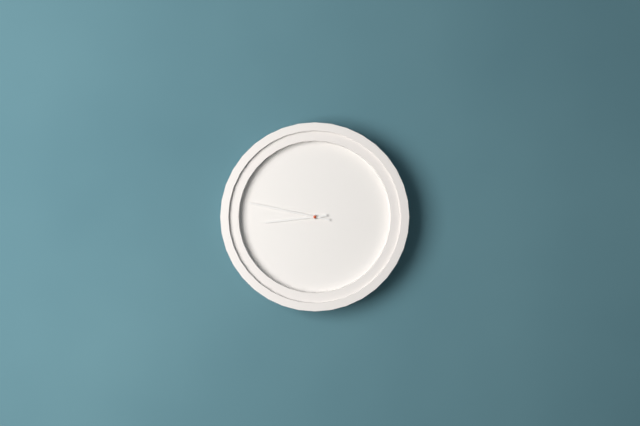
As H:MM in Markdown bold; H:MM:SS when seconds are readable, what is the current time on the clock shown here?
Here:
**8:47**
